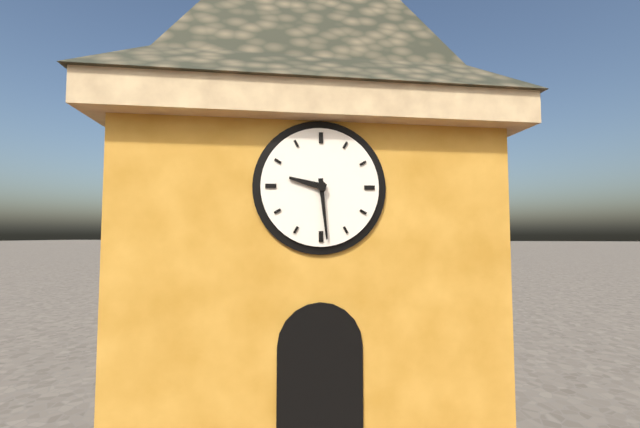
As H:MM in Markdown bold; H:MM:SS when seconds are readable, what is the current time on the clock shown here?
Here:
**9:29**
